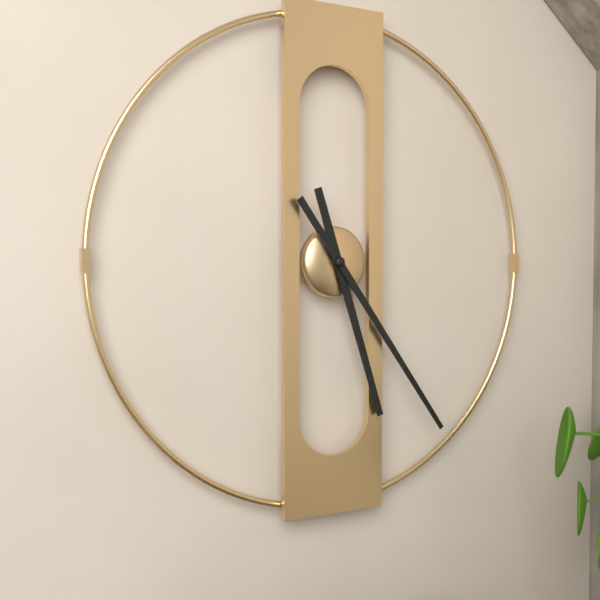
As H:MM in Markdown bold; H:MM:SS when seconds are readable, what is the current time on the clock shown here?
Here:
**5:24**
